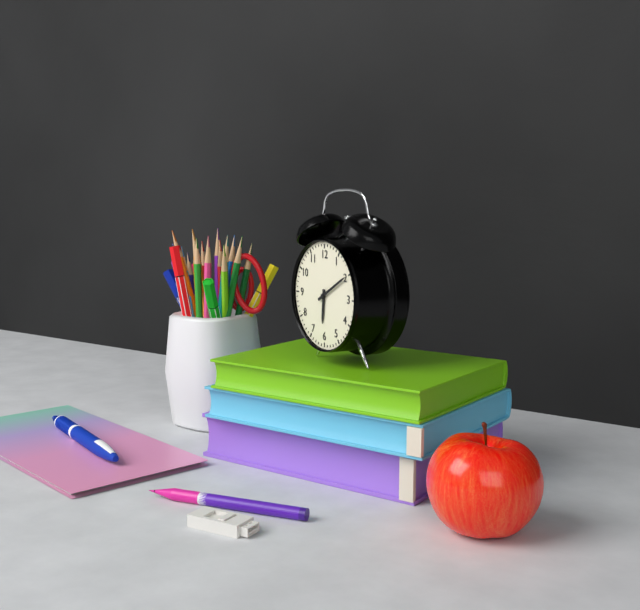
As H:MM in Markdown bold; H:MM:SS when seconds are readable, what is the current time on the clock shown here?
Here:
**6:10**
